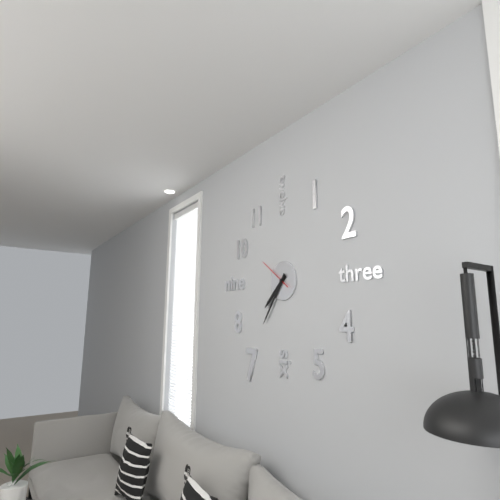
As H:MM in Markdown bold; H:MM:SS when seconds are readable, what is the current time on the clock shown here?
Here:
**7:36**
